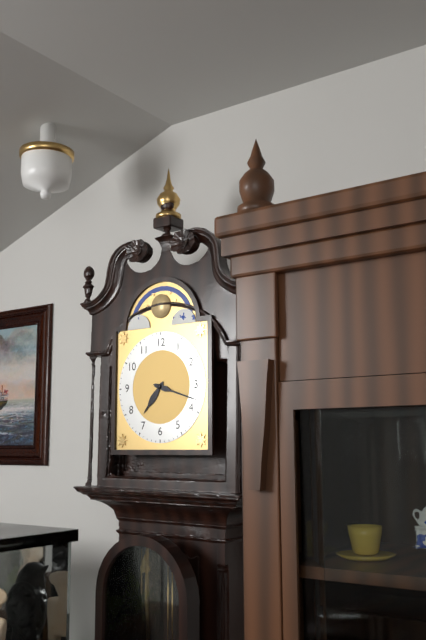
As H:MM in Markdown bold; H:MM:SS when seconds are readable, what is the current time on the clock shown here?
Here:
**7:18**
